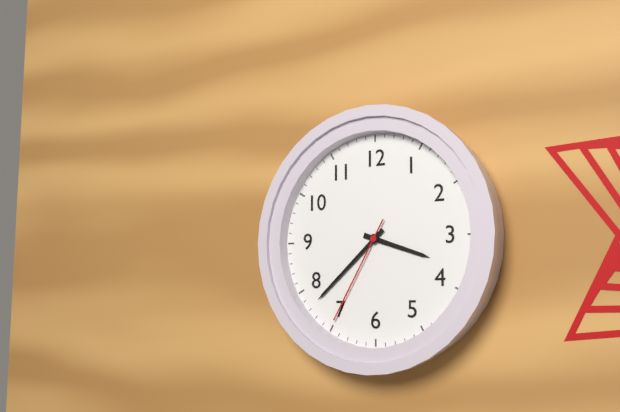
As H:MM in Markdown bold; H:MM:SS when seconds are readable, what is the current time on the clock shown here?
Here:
**3:38:35**
